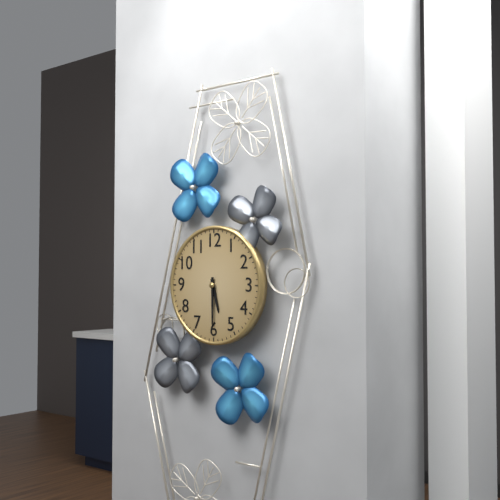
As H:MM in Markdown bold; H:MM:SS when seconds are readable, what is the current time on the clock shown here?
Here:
**5:30**
